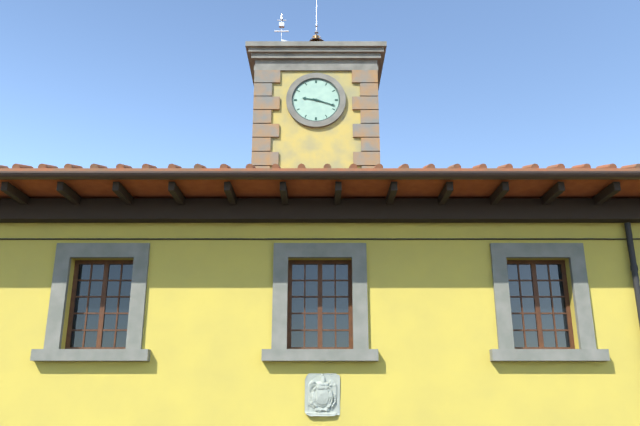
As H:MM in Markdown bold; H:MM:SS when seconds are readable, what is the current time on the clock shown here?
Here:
**9:18**
